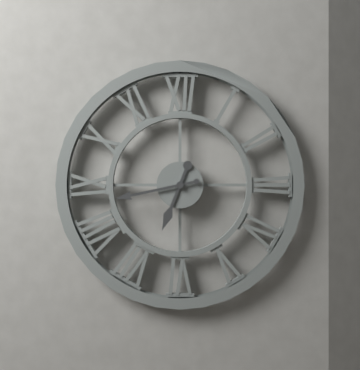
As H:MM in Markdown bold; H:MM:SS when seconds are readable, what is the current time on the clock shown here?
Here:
**6:43**
